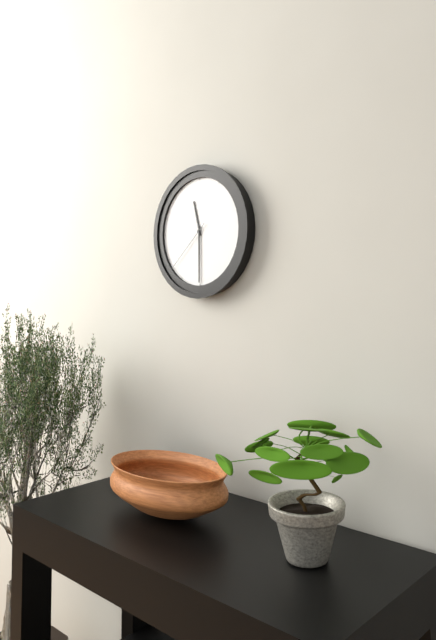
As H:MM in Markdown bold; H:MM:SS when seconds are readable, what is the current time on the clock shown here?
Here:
**11:30:38**
